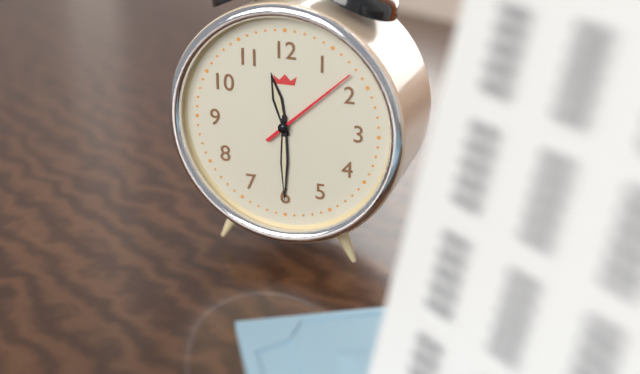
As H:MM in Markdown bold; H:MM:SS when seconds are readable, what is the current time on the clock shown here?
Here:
**11:30:08**
